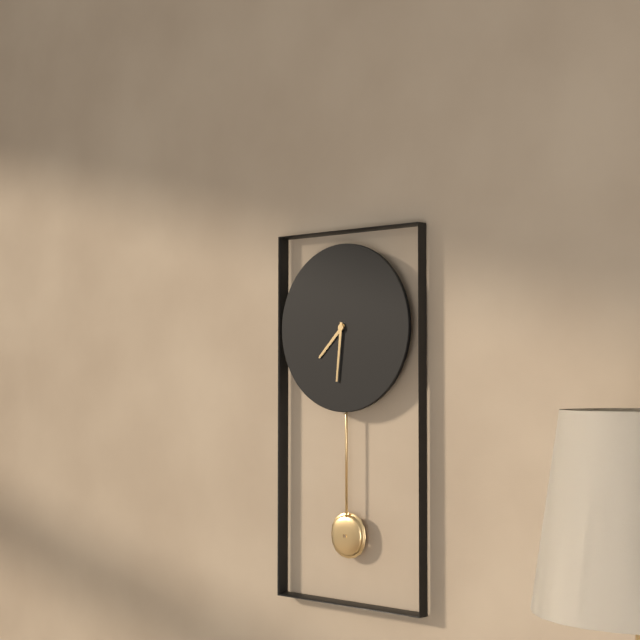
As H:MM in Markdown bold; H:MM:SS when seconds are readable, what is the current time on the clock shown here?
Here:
**7:31**
